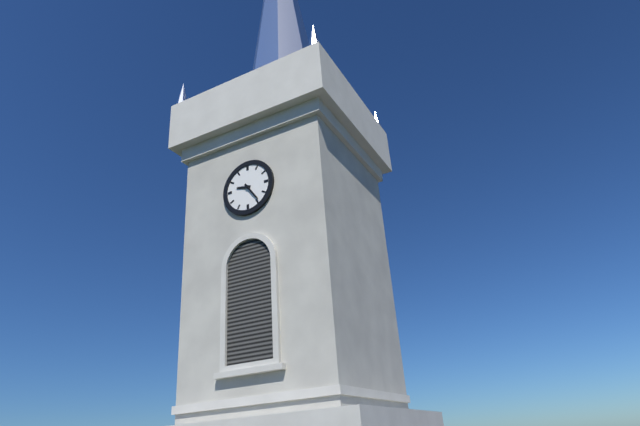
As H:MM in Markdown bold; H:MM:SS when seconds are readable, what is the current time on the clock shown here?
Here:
**9:24**
